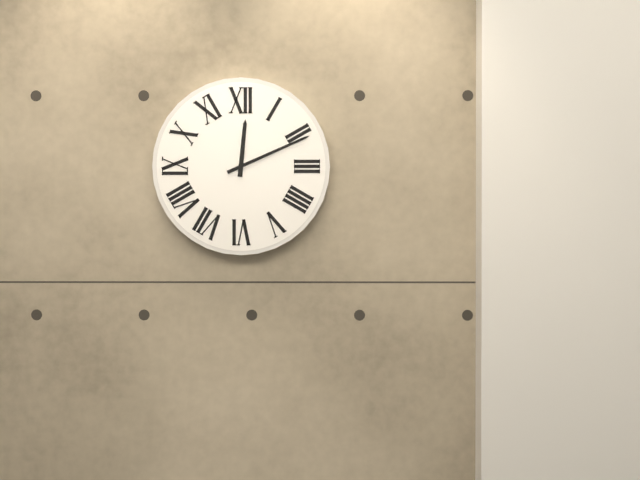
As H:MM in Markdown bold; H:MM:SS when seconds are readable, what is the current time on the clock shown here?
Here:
**12:11**
